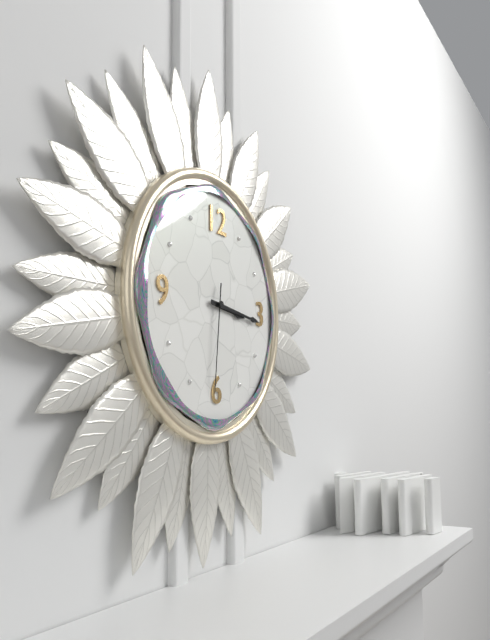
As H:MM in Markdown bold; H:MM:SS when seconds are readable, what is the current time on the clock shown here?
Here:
**3:16:31**
